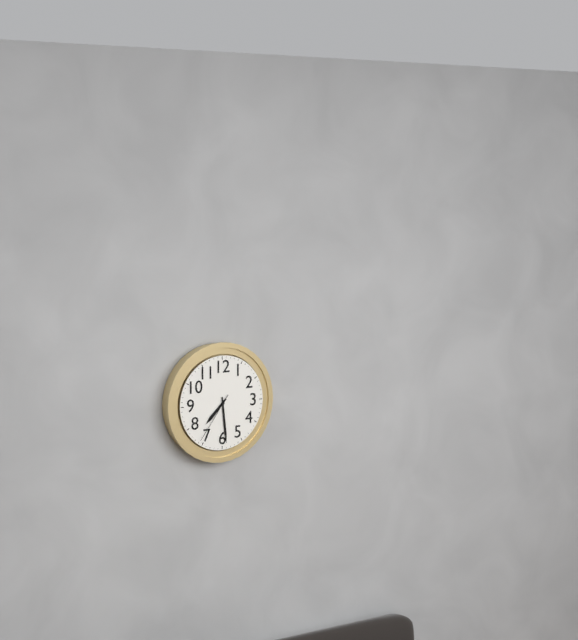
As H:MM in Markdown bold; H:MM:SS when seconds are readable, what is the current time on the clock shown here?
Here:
**7:29:36**
